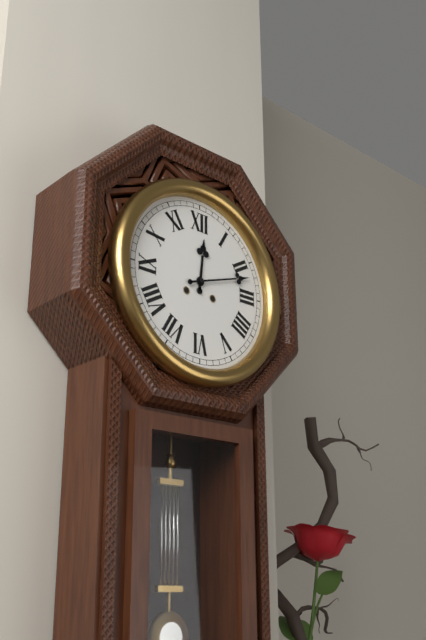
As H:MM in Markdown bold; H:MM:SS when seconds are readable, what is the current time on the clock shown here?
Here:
**12:12**
